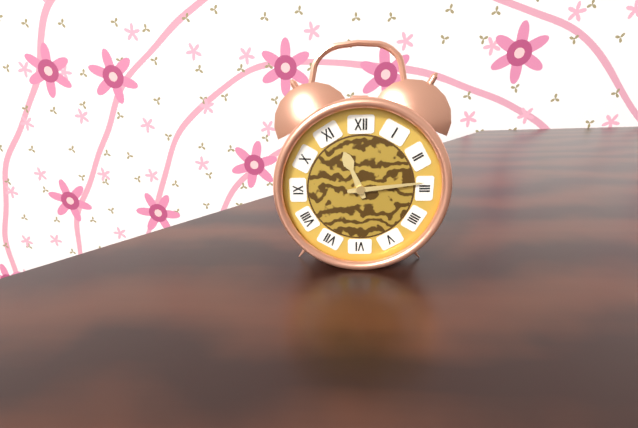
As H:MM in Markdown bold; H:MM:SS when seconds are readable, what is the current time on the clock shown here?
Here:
**11:14**
